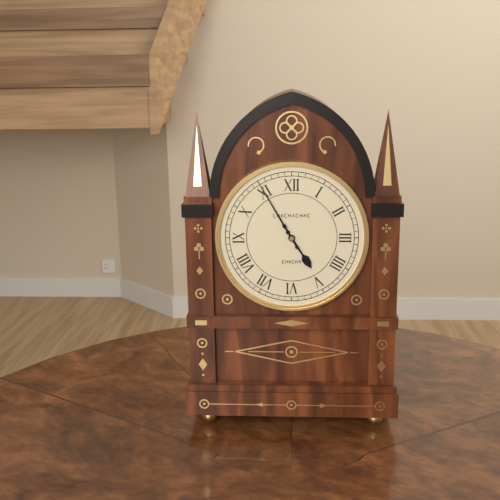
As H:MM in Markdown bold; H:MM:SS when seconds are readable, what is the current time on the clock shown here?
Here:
**4:55**
